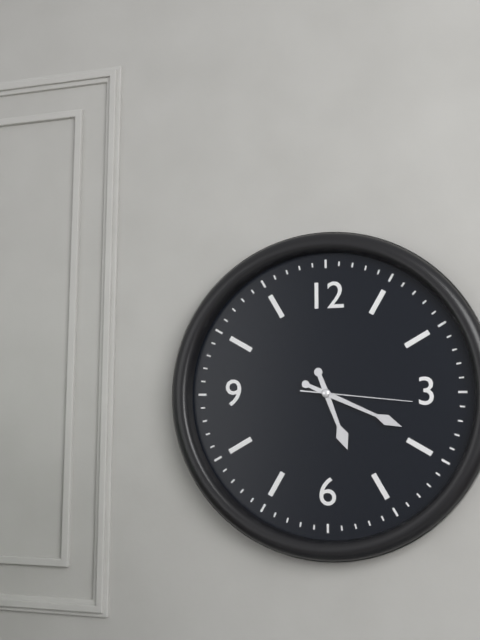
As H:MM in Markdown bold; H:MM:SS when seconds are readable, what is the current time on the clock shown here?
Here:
**5:19:16**
